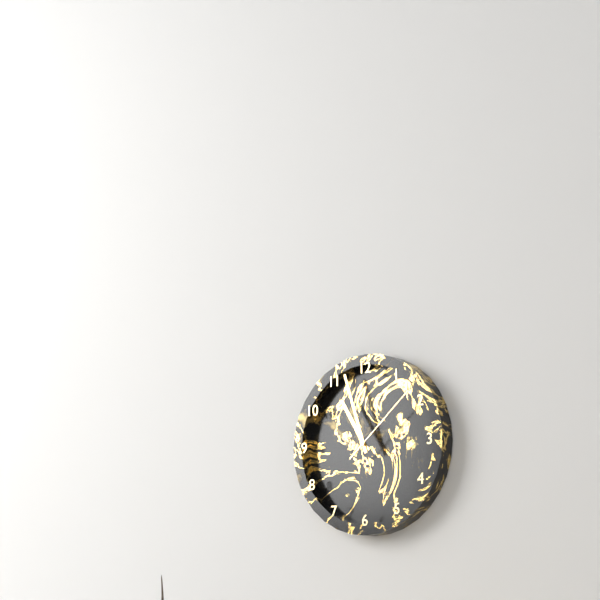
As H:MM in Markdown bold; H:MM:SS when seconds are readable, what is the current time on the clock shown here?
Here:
**10:57:08**
